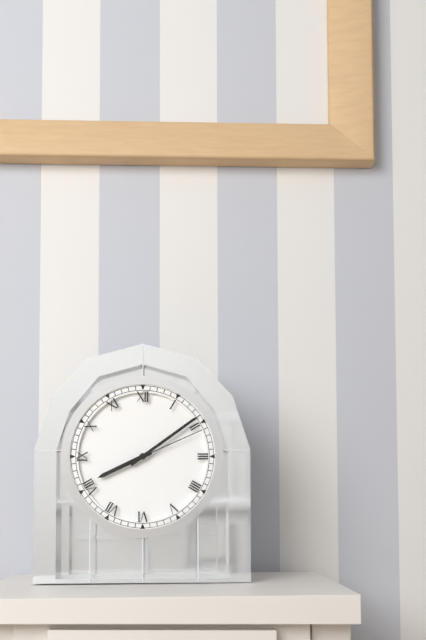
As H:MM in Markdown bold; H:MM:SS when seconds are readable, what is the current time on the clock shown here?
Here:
**8:09:11**
